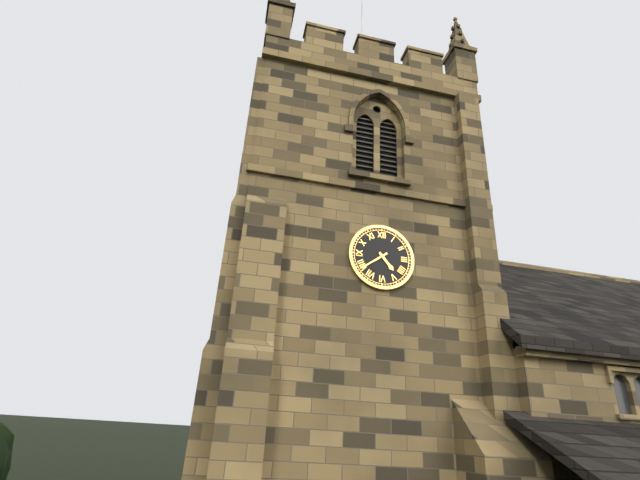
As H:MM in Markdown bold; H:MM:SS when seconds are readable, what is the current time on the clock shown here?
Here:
**4:39**
